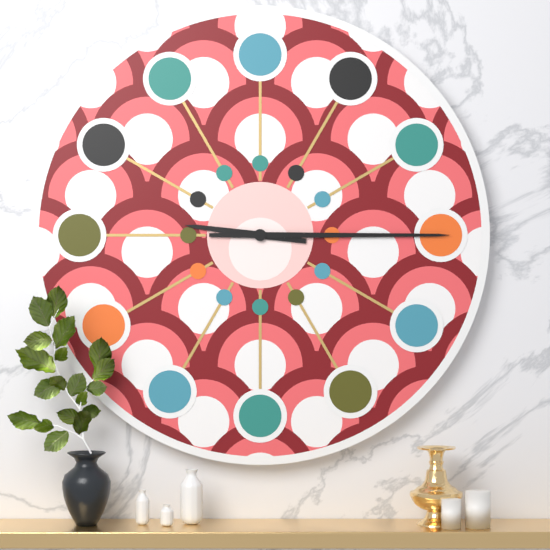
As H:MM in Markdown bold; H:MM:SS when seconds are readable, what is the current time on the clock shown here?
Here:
**9:15**
